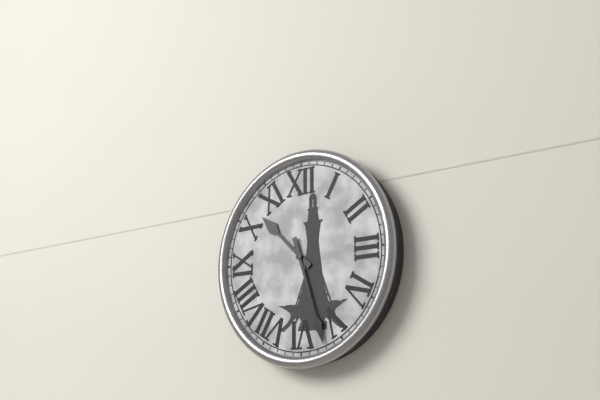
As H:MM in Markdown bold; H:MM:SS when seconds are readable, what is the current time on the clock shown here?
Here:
**10:27**
